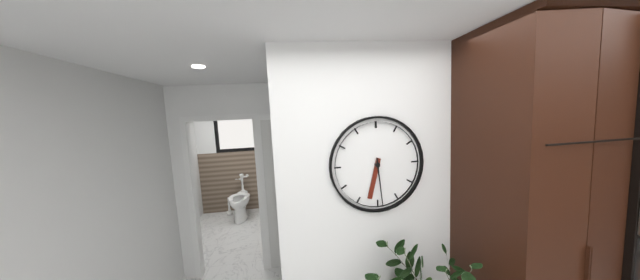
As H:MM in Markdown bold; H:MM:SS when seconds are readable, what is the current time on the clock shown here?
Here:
**6:29**
